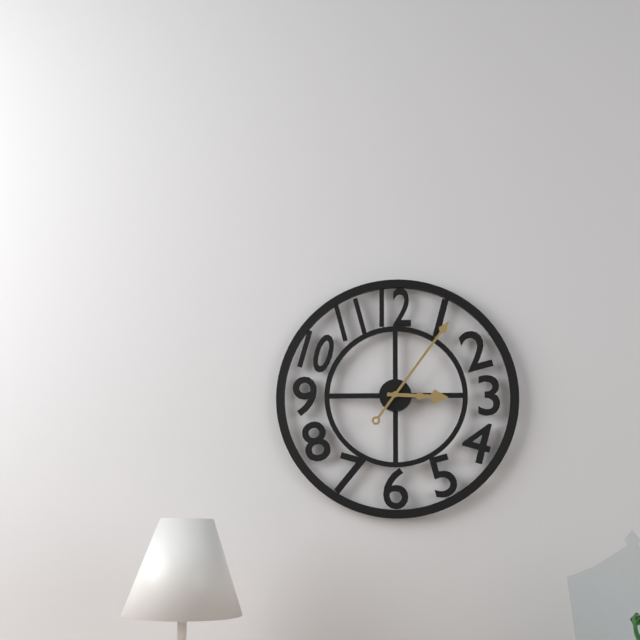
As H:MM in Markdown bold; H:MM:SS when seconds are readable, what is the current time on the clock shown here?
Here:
**3:06**
